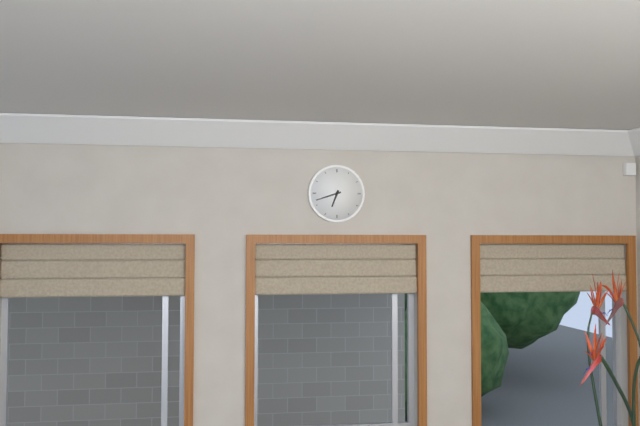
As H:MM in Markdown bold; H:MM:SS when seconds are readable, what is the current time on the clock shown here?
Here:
**6:42**
